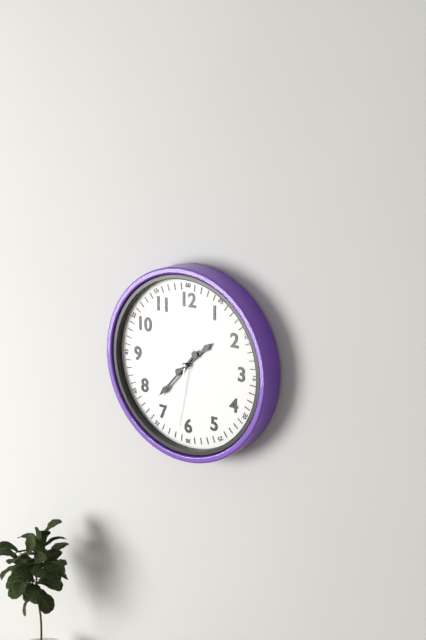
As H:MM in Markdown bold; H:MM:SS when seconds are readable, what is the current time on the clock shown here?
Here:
**1:37:32**
